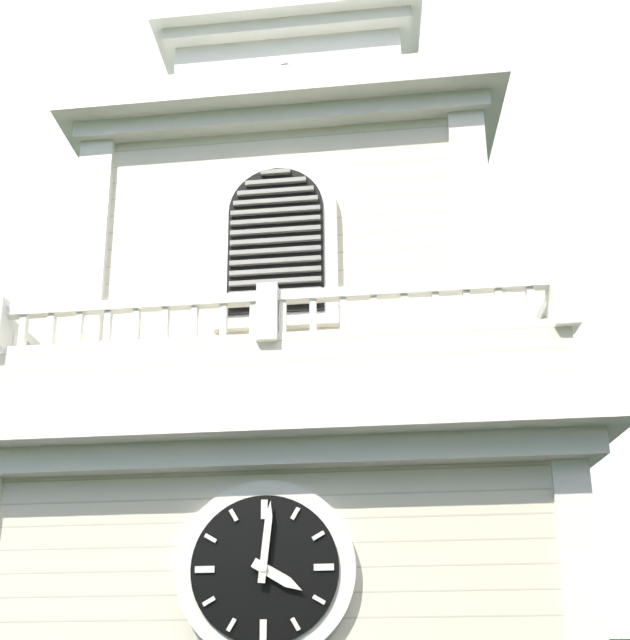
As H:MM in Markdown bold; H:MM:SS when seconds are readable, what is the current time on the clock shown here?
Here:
**4:01**
